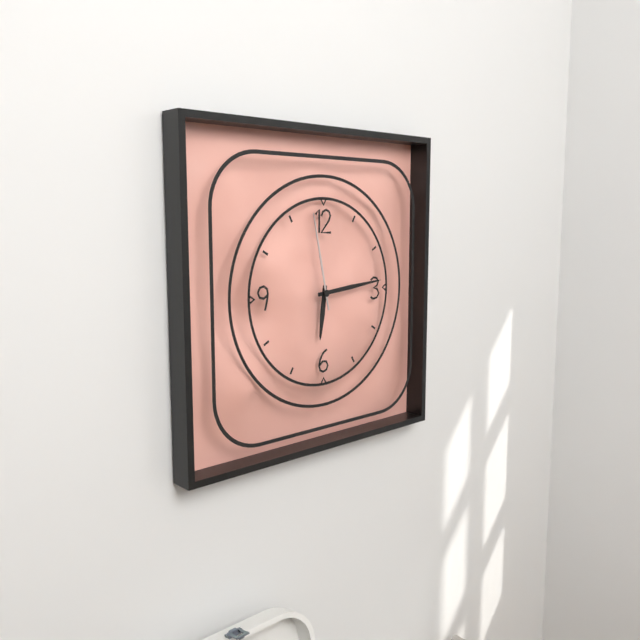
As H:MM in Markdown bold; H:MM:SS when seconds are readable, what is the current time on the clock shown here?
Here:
**6:14:58**
